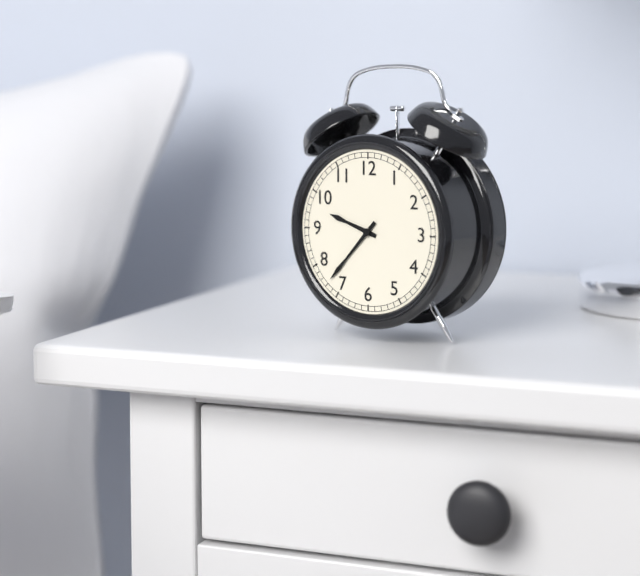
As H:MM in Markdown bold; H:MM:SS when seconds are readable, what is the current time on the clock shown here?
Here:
**9:37**
